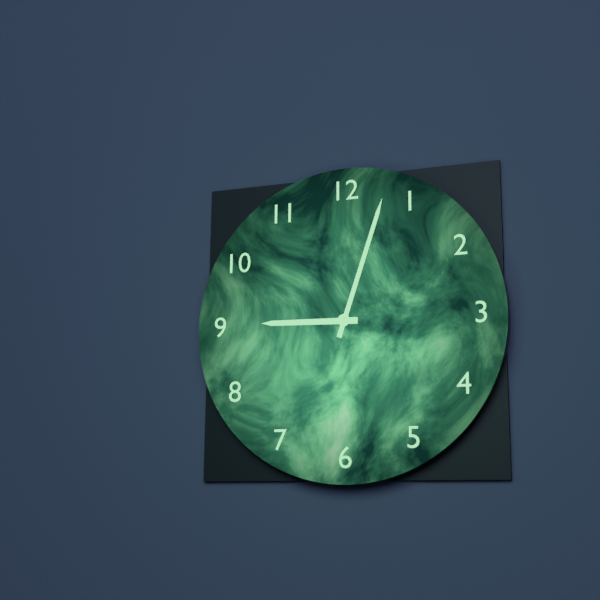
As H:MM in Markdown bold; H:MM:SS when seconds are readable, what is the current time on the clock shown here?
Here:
**9:03**
